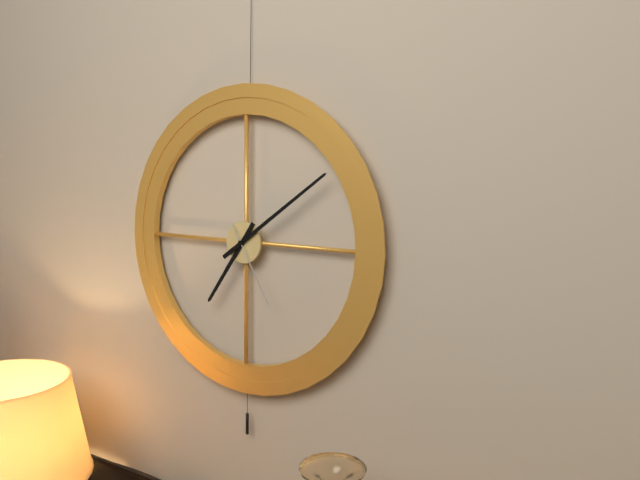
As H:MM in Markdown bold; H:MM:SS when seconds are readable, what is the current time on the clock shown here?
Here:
**7:09:25**
